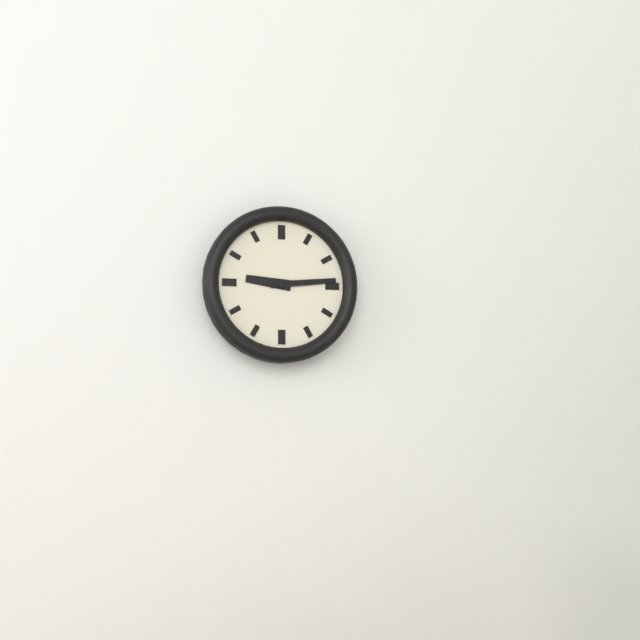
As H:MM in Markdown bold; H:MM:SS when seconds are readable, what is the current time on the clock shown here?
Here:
**9:14**
